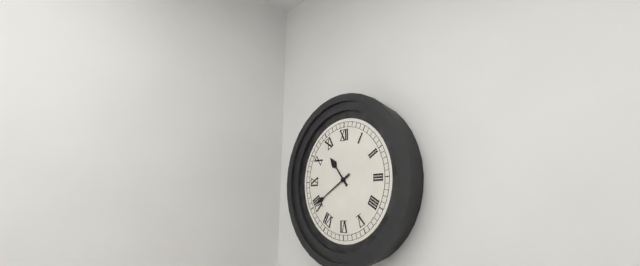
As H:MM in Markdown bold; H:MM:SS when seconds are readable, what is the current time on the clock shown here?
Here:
**10:40**
